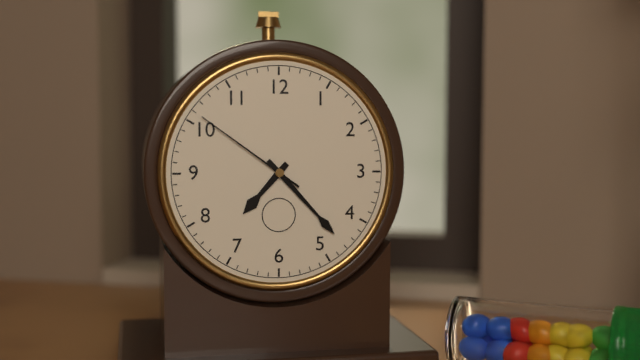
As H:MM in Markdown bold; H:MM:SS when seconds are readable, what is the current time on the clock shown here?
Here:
**7:23:51**
